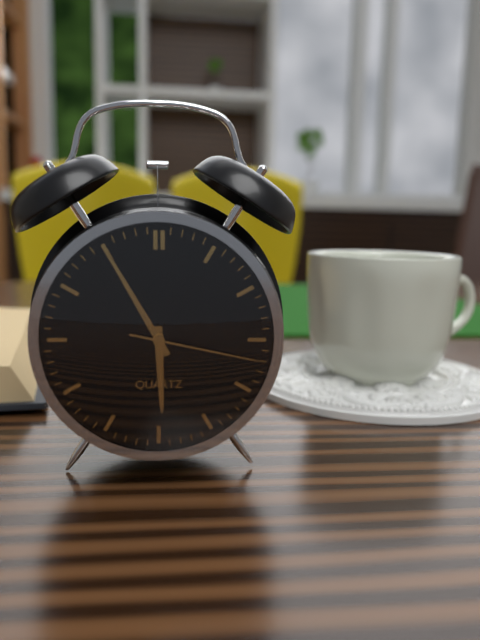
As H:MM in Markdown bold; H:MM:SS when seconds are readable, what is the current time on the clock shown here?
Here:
**5:55:17**
